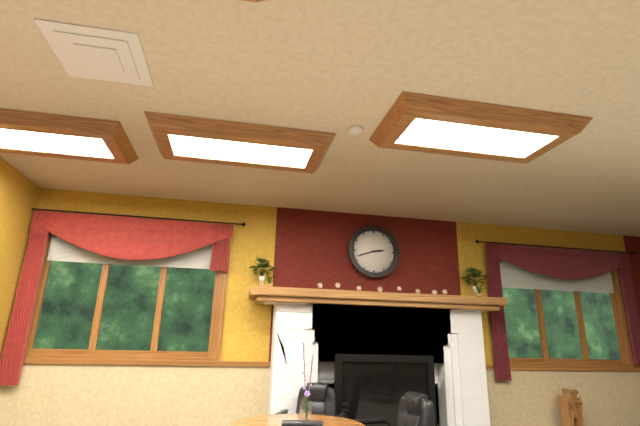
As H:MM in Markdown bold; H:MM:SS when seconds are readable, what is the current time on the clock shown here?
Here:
**2:42**
